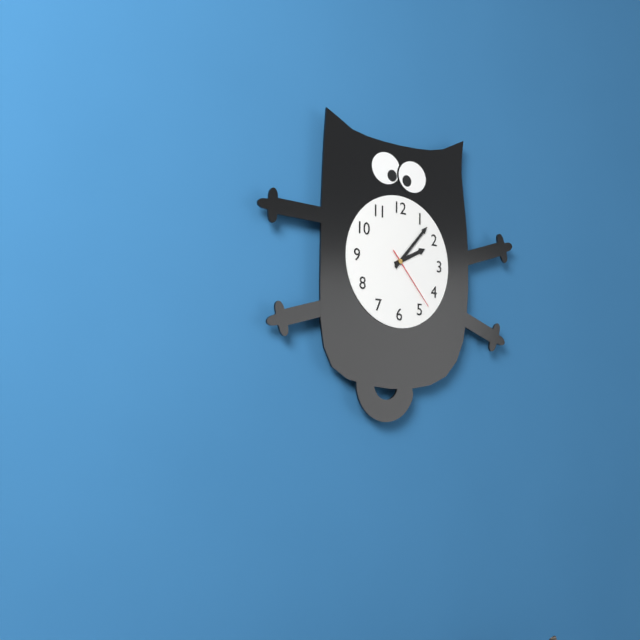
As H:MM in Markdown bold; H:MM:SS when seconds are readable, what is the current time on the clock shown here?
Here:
**2:07:23**
